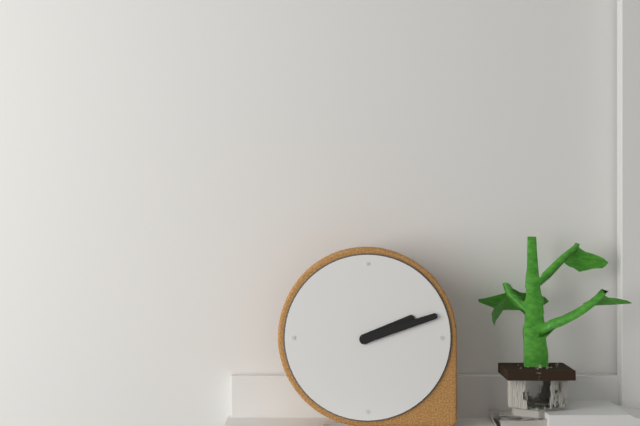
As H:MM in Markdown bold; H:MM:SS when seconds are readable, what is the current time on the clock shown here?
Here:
**2:12**
